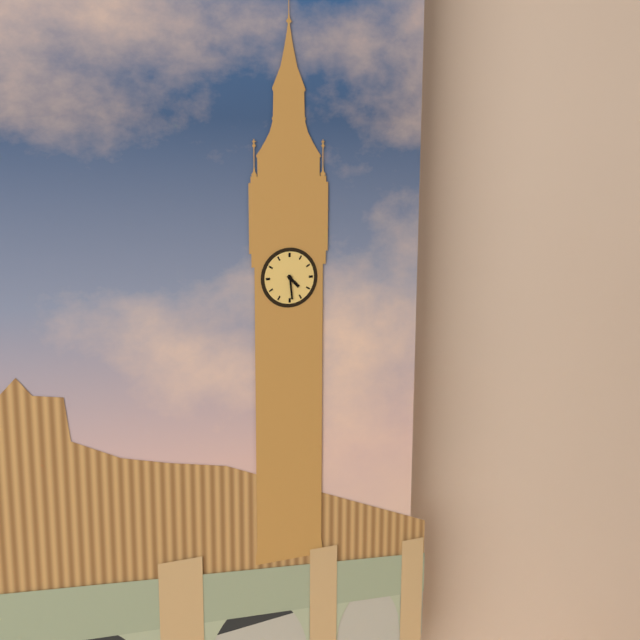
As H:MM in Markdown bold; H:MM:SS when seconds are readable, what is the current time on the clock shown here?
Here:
**4:29**
